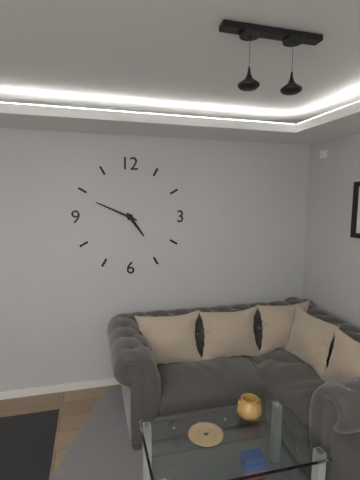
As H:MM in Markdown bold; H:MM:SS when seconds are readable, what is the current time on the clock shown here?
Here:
**4:49**
